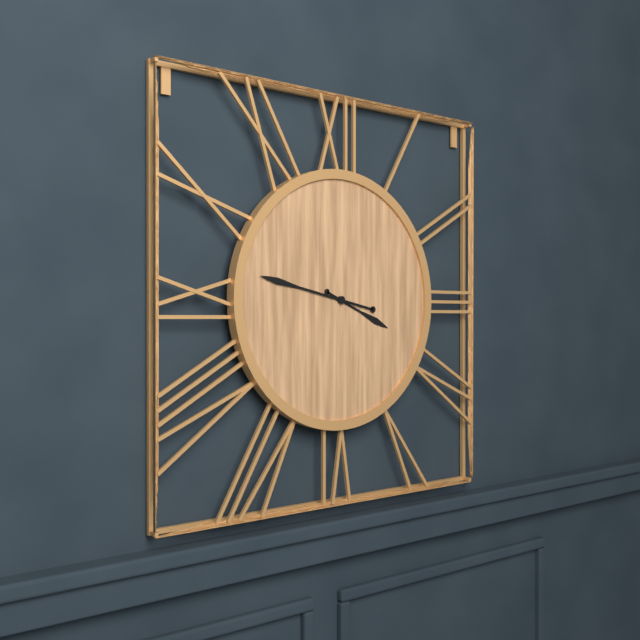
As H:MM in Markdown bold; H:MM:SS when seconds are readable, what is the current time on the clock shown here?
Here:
**3:47**
